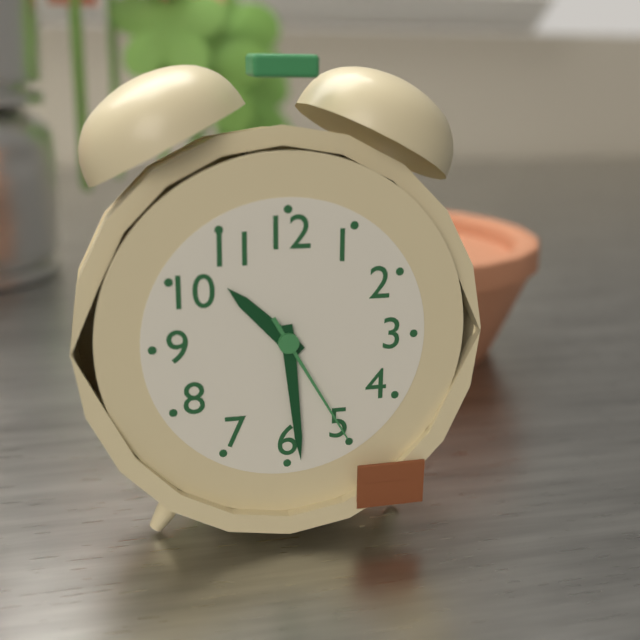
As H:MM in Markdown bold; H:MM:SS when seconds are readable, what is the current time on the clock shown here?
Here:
**10:29:25**
